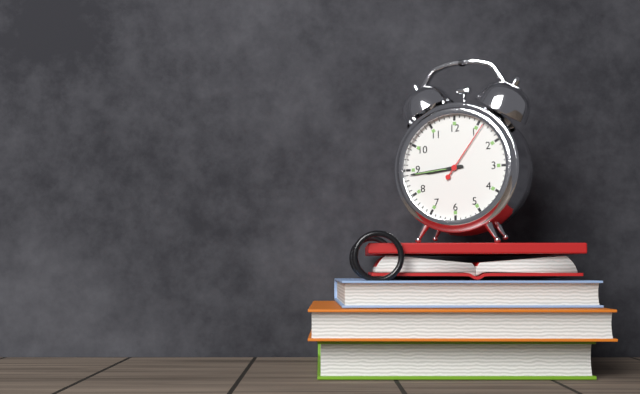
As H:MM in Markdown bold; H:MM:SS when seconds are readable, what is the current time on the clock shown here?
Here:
**8:44:06**
